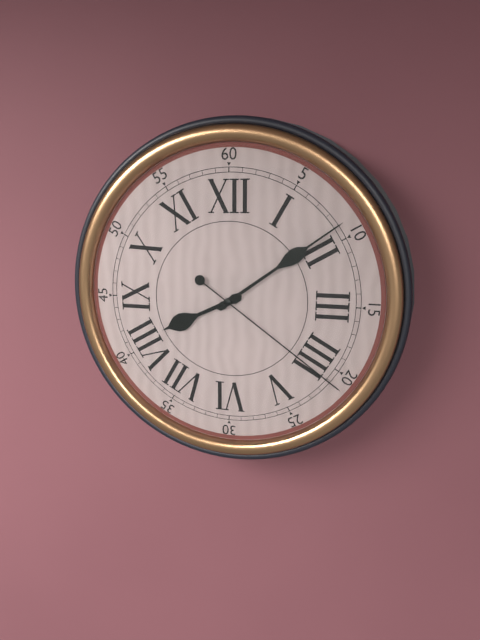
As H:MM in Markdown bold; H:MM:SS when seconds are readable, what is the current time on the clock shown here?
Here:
**8:09:21**
